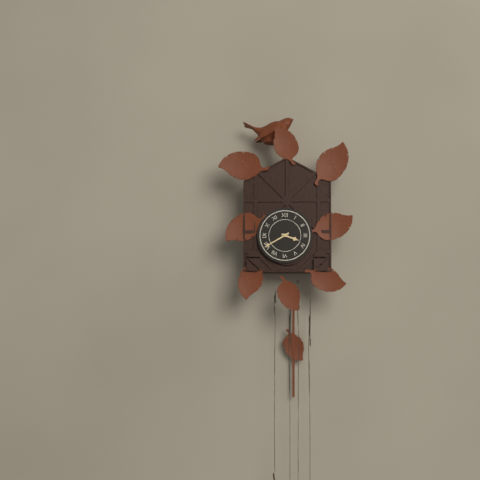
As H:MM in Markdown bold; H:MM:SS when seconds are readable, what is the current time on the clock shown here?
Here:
**3:40**
